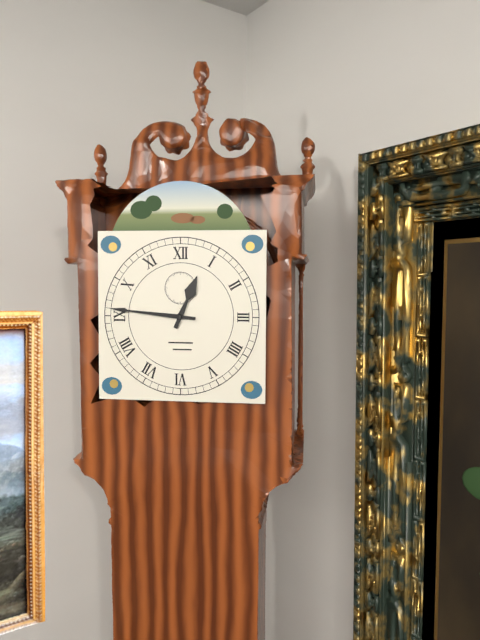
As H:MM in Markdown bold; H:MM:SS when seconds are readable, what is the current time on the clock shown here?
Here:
**12:46**
